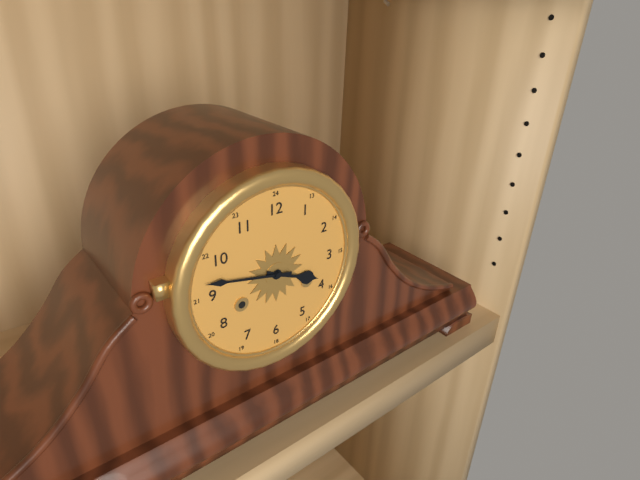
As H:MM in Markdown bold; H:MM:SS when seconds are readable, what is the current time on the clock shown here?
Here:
**3:47**
